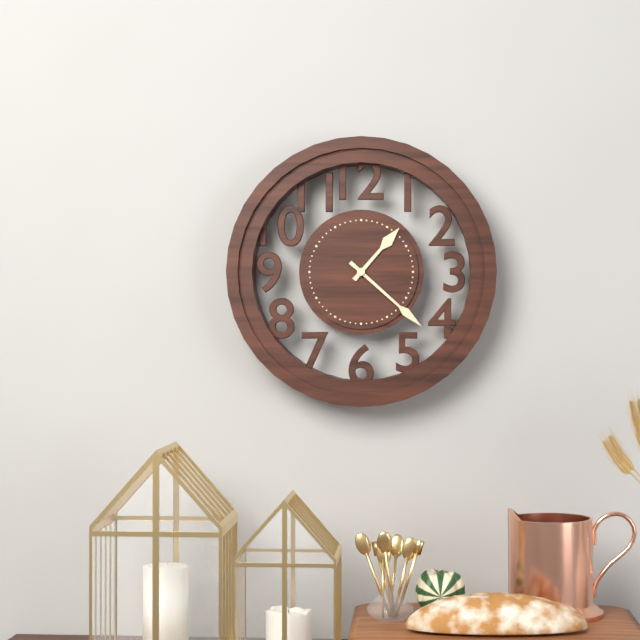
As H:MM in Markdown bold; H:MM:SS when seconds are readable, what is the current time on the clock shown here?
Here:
**1:22**
